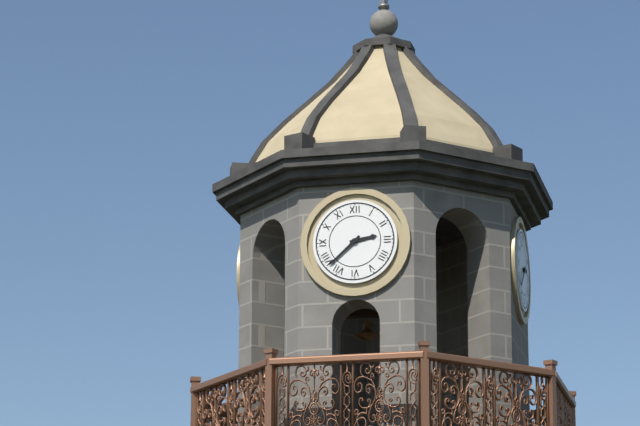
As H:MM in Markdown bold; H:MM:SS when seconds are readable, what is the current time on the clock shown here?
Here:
**2:38**
